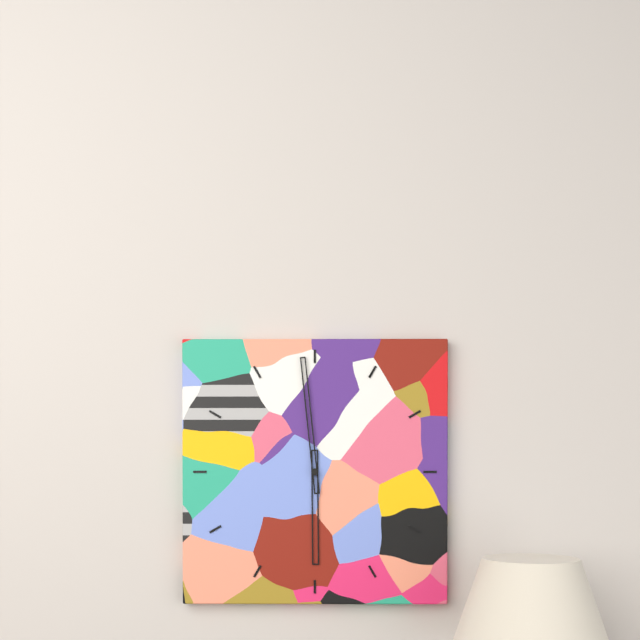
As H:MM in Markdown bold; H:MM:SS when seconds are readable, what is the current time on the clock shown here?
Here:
**5:59**
